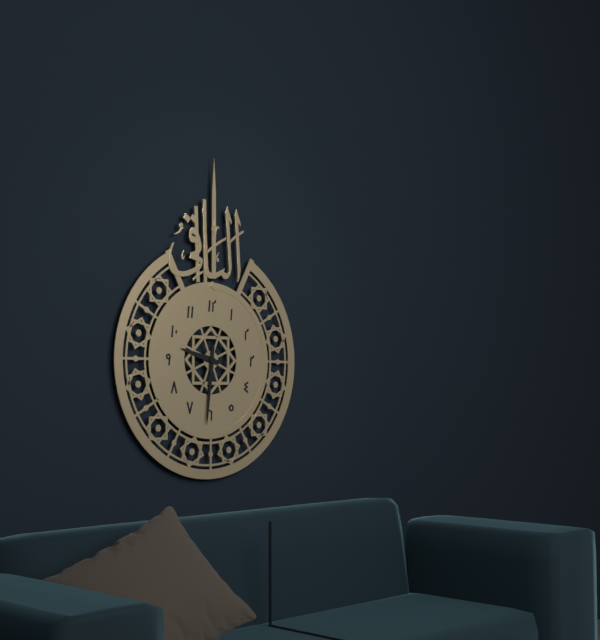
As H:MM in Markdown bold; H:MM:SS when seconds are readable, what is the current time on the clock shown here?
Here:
**9:31**
